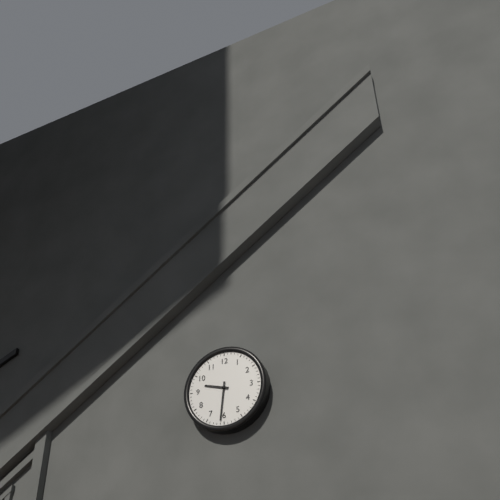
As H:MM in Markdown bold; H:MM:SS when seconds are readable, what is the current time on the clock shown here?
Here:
**9:31**
